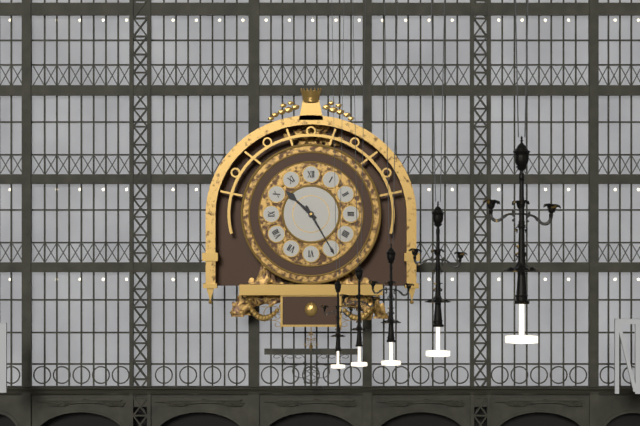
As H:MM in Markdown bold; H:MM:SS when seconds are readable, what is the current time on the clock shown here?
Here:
**10:25**
